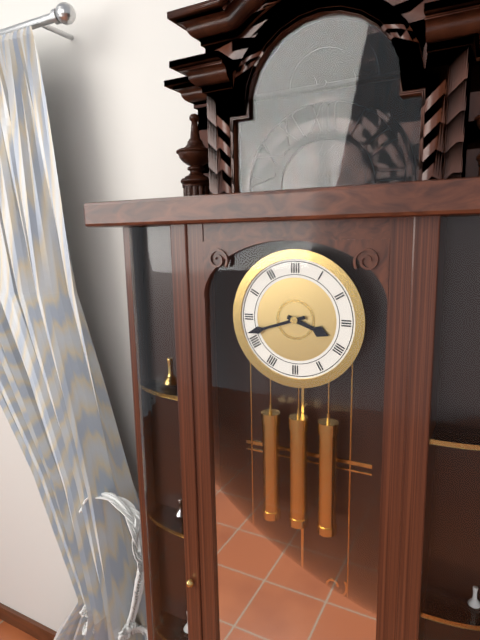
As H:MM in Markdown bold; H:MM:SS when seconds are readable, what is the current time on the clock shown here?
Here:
**3:42**
